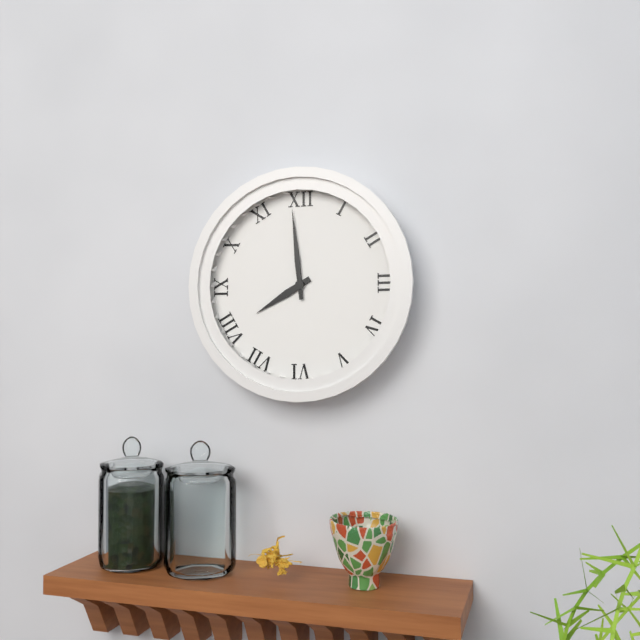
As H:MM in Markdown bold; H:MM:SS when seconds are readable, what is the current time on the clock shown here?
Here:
**7:59**
